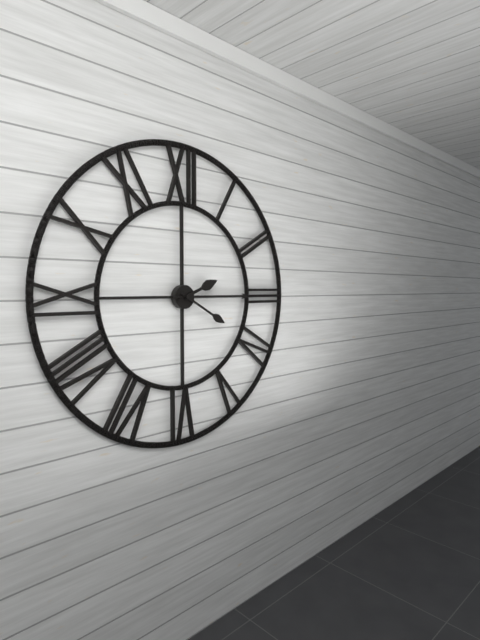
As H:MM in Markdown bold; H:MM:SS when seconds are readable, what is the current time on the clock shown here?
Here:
**2:15:20**
